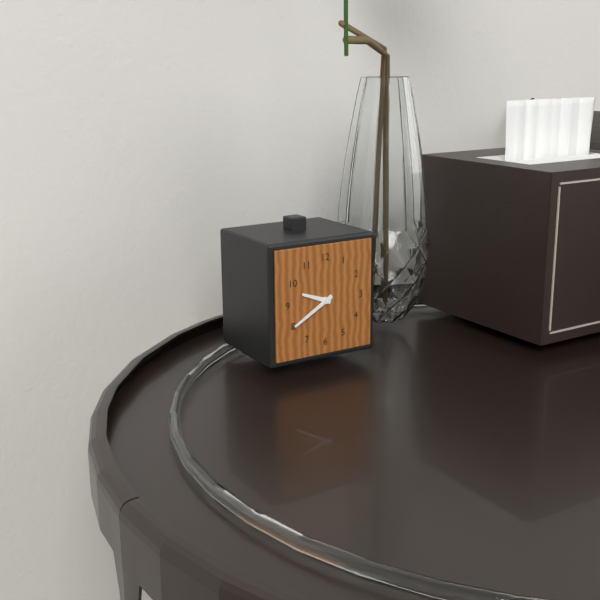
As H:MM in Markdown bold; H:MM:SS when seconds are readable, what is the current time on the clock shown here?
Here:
**9:40**
